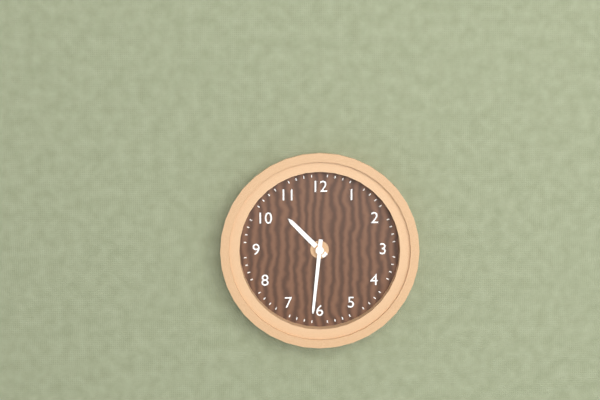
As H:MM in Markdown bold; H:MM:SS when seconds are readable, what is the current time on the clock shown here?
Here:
**10:31**
